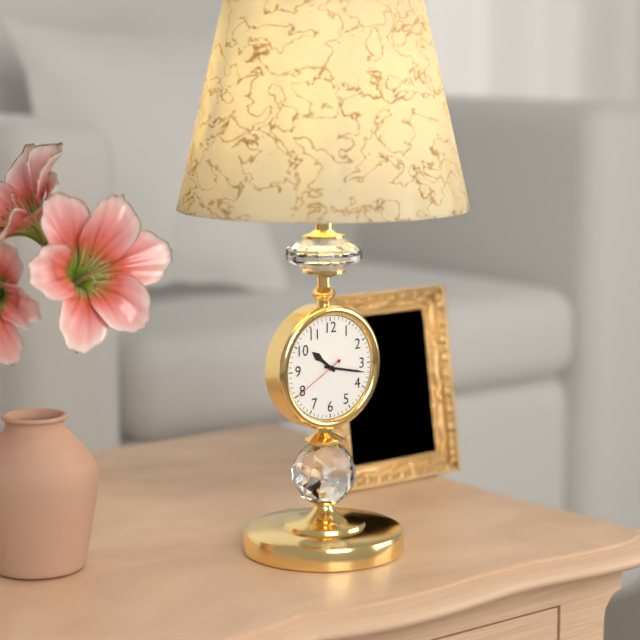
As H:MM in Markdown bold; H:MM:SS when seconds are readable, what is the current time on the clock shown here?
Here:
**10:17:40**
